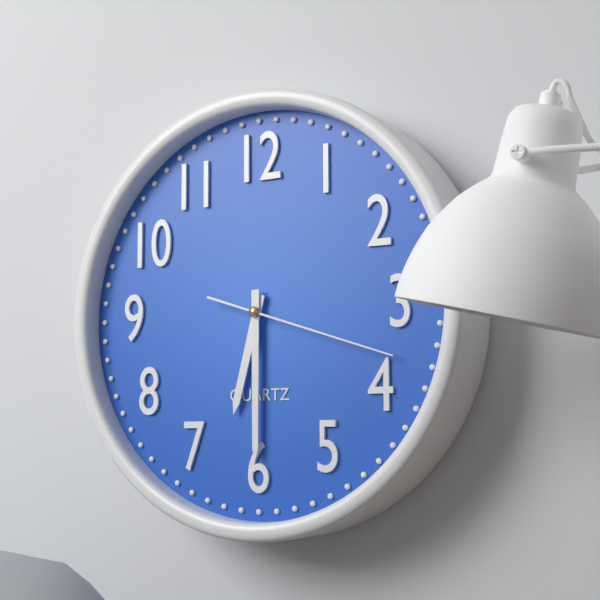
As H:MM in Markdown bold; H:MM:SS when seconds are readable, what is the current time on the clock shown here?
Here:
**6:30:18**
